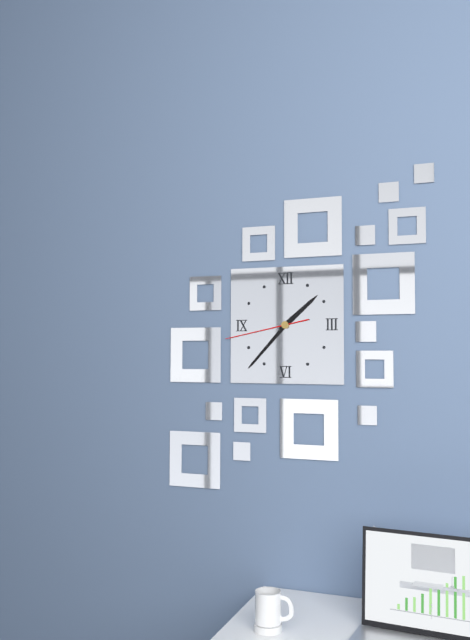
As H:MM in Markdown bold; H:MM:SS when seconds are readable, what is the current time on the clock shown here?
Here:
**1:37:43**
